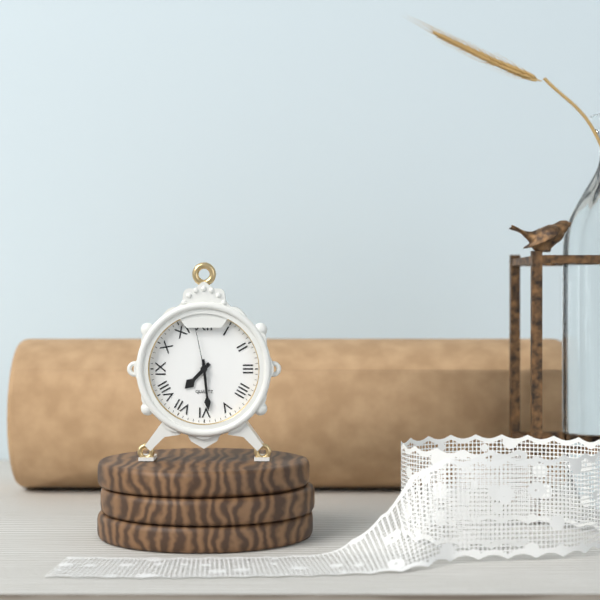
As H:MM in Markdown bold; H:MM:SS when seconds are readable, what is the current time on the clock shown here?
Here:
**7:29:58**
